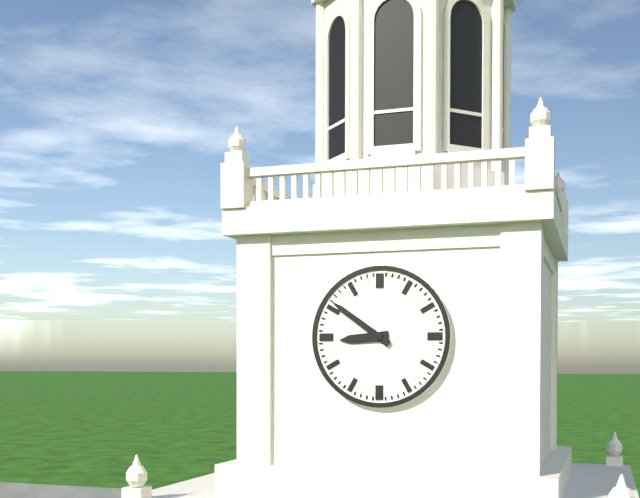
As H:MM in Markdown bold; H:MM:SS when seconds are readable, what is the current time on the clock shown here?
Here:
**8:51**
